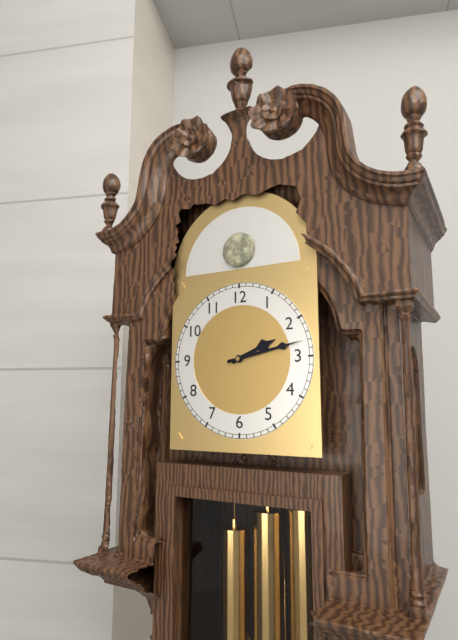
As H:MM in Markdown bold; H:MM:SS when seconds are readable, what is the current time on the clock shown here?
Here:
**2:13**
